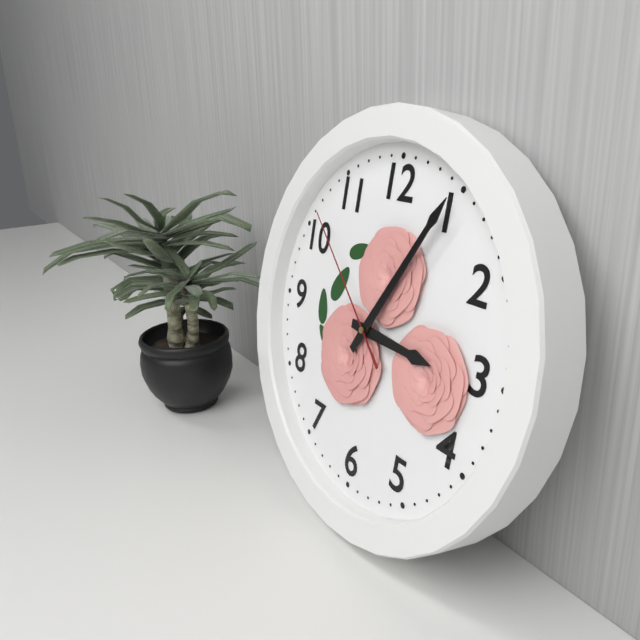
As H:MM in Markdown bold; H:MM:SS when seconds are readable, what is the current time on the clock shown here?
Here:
**3:05:52**
